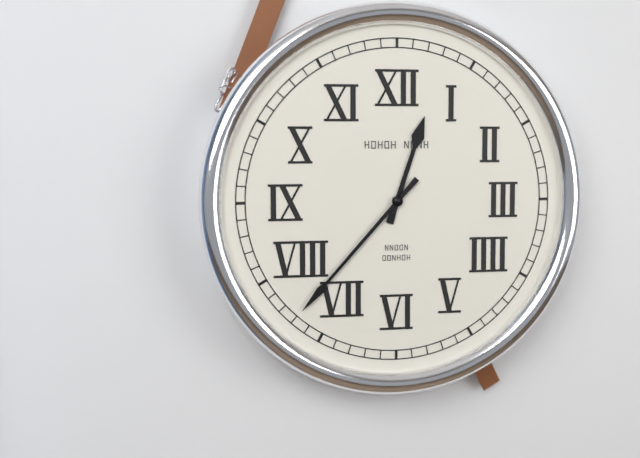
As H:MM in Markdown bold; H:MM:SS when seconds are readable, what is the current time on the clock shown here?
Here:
**12:37**
